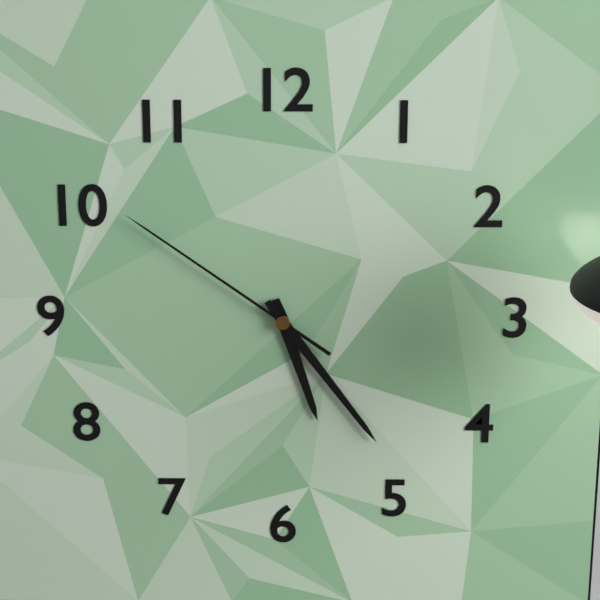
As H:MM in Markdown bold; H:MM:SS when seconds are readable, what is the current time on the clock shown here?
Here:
**5:24:51**
